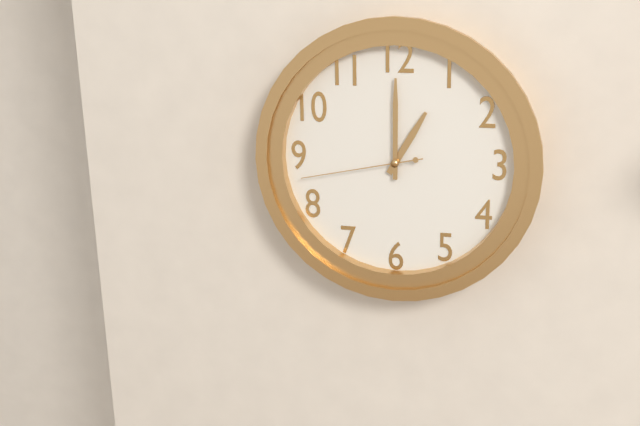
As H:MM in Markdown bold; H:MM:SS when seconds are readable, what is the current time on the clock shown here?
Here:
**1:00:43**
